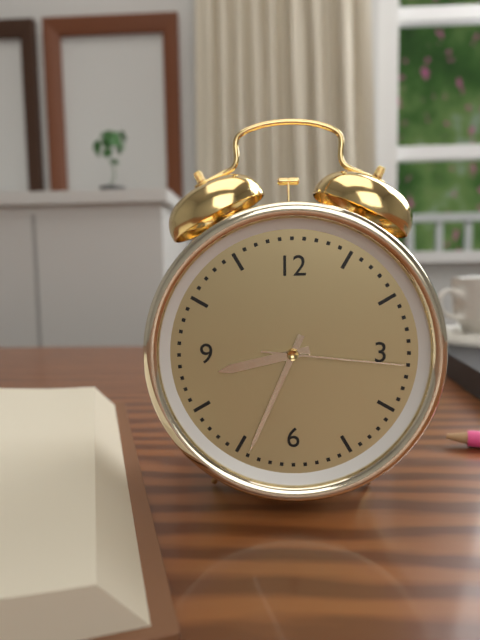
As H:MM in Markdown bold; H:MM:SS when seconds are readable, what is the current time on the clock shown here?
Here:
**8:34:16**
